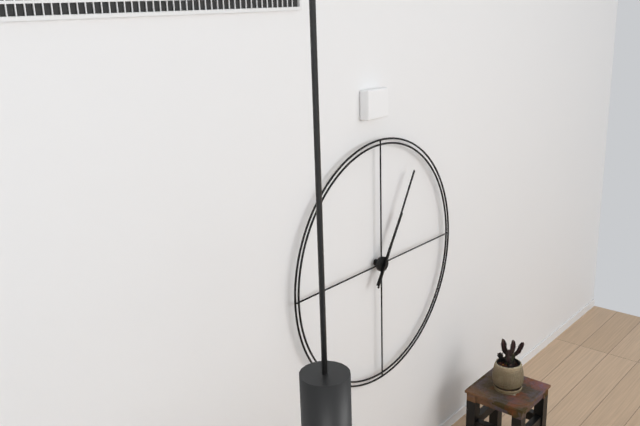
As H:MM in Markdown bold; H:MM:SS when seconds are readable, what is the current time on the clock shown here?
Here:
**1:05**
